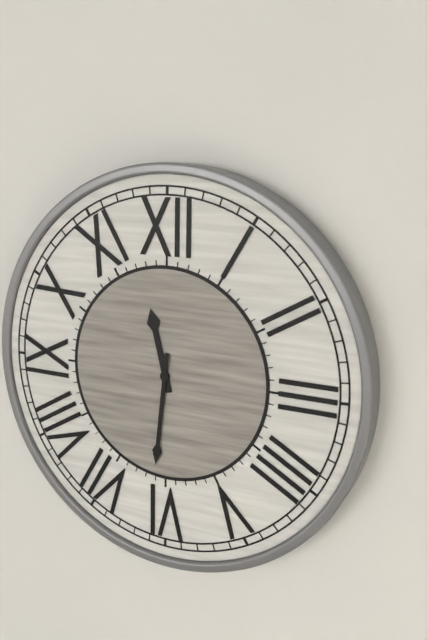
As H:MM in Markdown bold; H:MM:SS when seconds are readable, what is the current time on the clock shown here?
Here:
**11:31**
